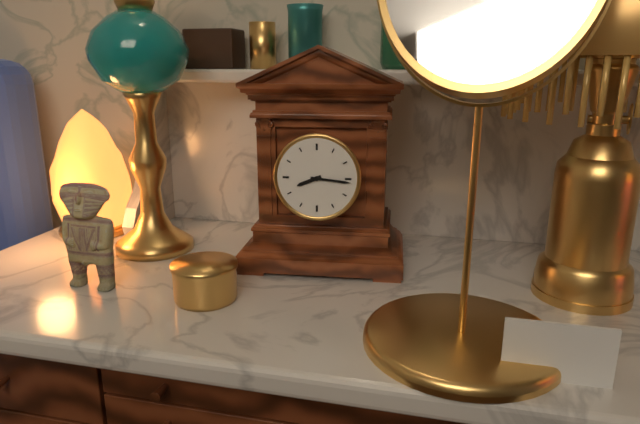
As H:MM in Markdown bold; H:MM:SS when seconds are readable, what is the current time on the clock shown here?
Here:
**8:16**
